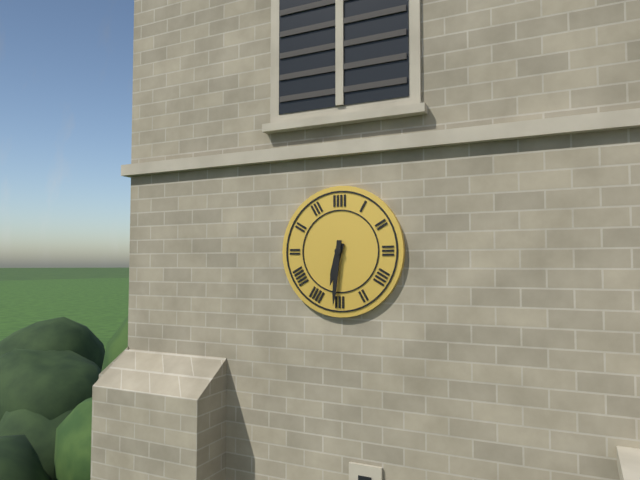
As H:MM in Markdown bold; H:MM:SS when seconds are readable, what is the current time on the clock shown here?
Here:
**6:31**
